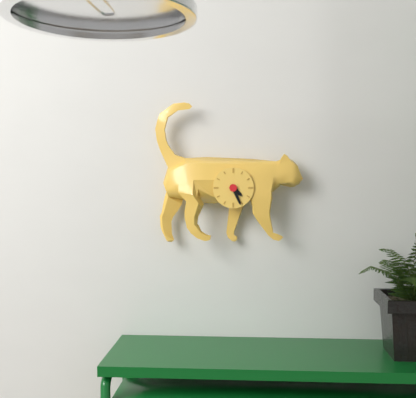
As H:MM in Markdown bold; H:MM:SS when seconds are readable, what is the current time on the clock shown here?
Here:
**4:26**
